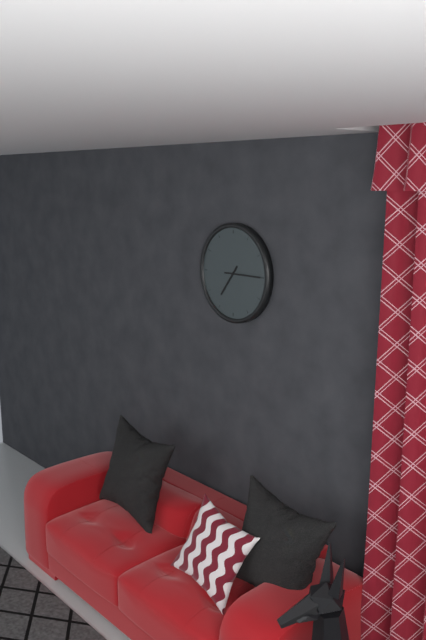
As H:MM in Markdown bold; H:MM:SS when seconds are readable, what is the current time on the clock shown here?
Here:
**7:15**
